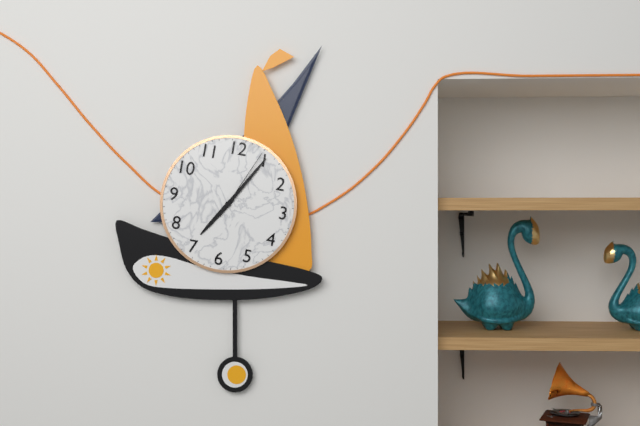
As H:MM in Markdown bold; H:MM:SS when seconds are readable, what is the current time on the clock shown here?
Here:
**7:05:04**
